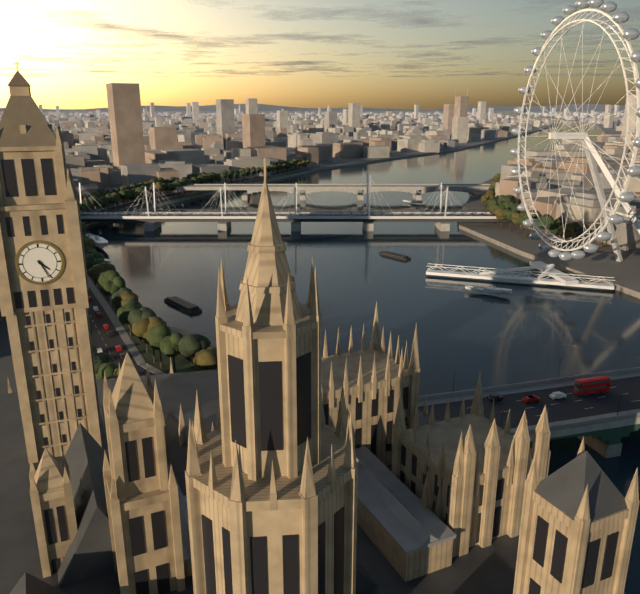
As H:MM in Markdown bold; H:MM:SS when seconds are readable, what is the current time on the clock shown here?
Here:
**4:26**
